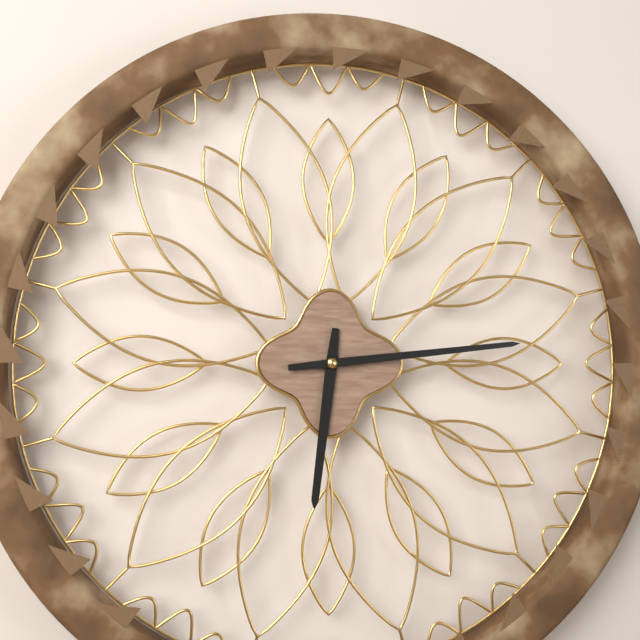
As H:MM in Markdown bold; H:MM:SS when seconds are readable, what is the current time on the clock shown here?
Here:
**6:14**
